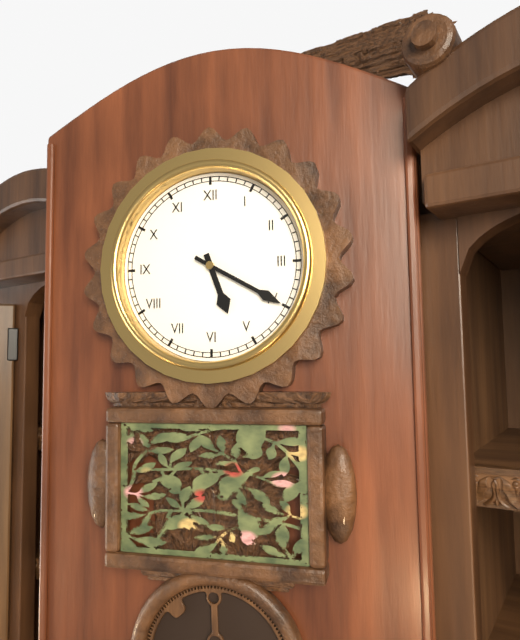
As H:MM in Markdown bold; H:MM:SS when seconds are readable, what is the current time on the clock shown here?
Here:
**5:20**
